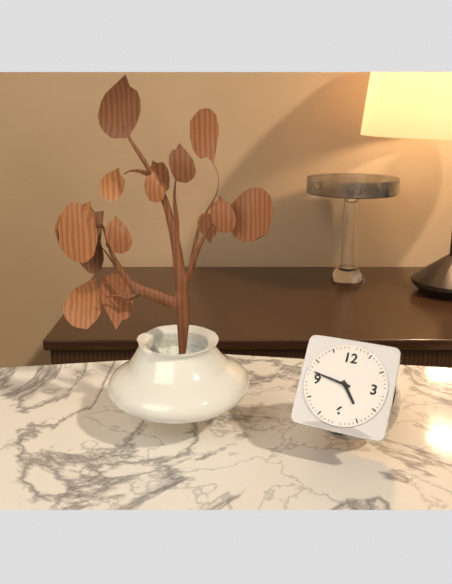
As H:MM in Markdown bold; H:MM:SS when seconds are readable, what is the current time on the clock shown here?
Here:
**4:47**
